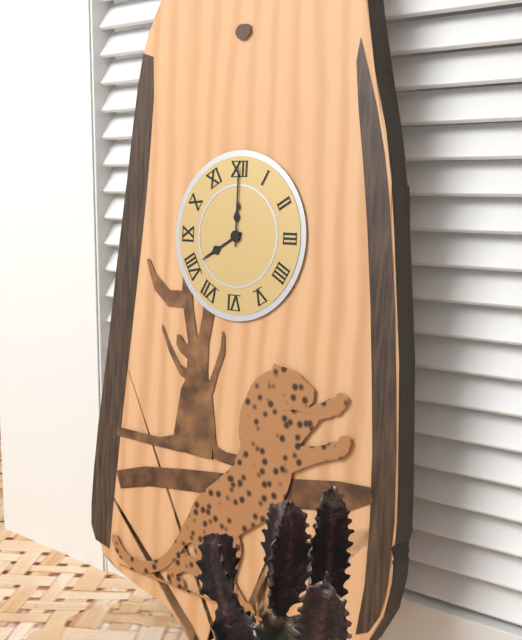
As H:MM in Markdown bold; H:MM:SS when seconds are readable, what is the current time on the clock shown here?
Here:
**8:00**
